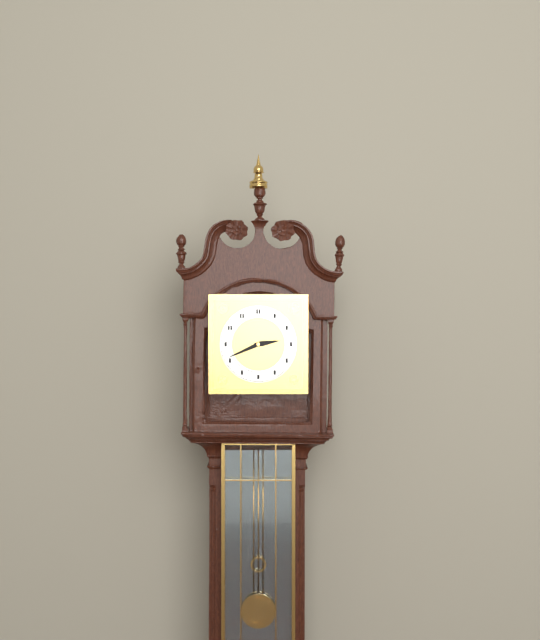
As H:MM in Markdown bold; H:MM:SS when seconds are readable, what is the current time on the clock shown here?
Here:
**2:41**
